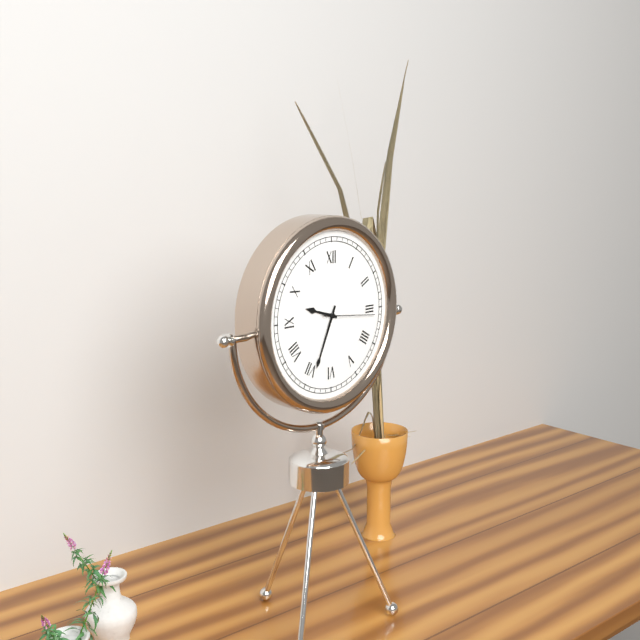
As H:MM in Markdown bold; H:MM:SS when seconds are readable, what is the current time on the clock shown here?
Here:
**9:34:16**
